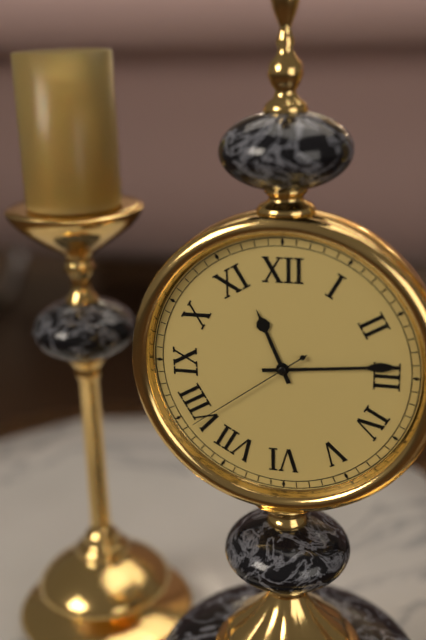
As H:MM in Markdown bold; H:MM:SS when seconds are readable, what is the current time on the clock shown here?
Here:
**11:14:39**
